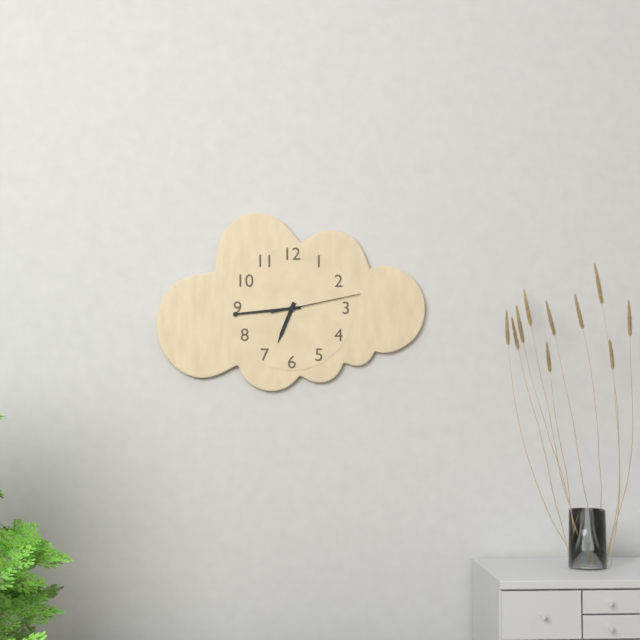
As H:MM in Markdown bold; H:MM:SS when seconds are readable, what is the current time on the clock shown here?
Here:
**6:44:13**
